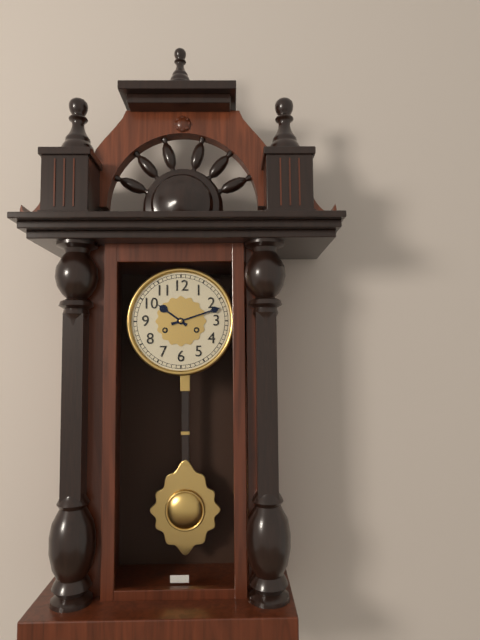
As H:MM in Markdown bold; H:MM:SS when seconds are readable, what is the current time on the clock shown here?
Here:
**10:12**
